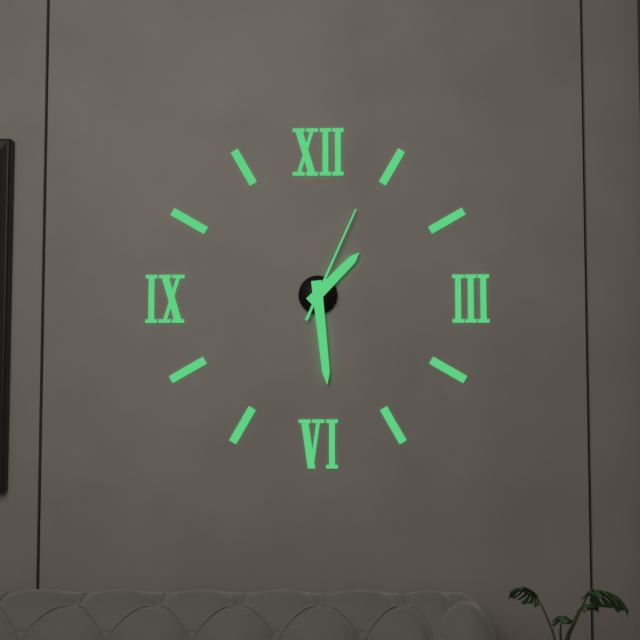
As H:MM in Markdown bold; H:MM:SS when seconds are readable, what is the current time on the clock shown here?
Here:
**1:29:04**
